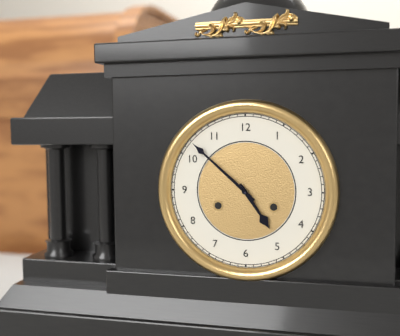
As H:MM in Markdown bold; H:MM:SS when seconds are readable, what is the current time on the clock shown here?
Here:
**4:52**
